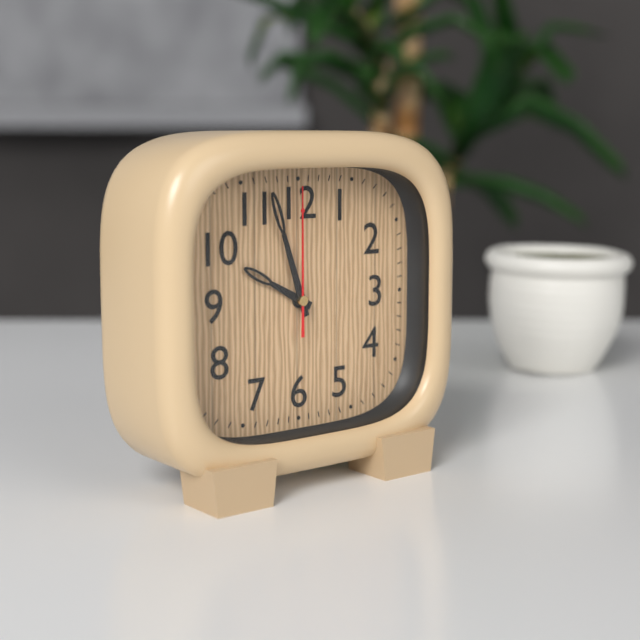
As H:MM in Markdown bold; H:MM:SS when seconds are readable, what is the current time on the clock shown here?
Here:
**9:57:00**
